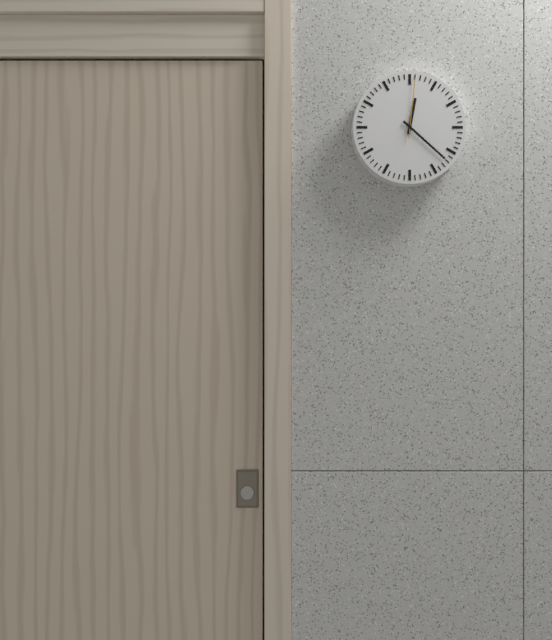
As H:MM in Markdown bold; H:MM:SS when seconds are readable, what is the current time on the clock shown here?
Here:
**12:22:01**
